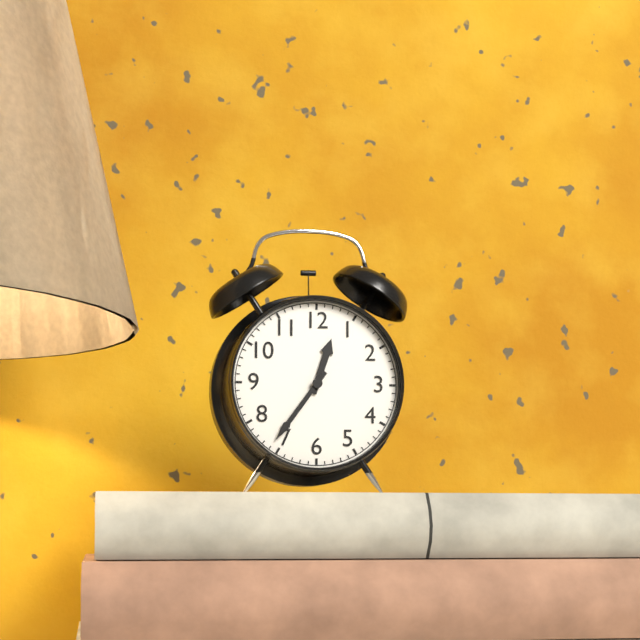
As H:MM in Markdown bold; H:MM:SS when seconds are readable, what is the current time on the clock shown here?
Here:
**12:36**
